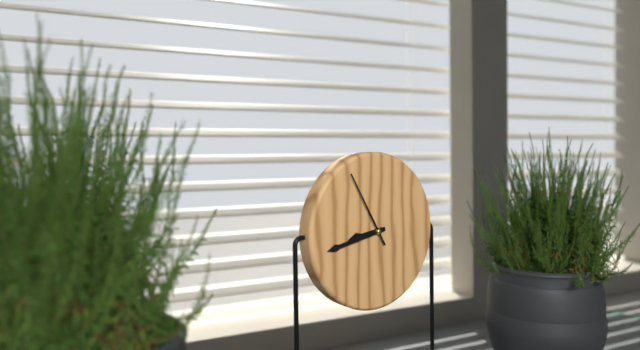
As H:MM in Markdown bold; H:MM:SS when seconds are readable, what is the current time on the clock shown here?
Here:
**8:43:55**
